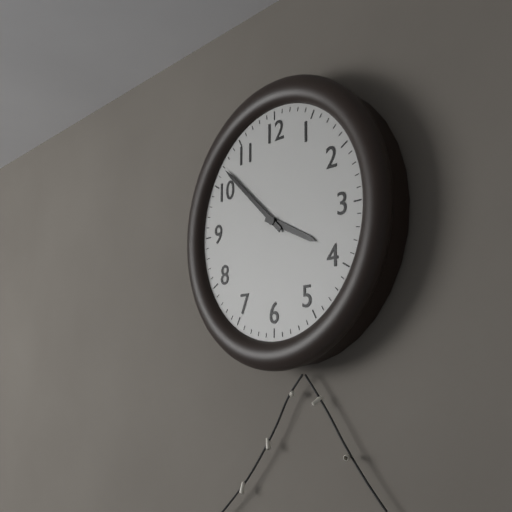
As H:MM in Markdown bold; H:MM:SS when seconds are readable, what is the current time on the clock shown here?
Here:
**3:52**
